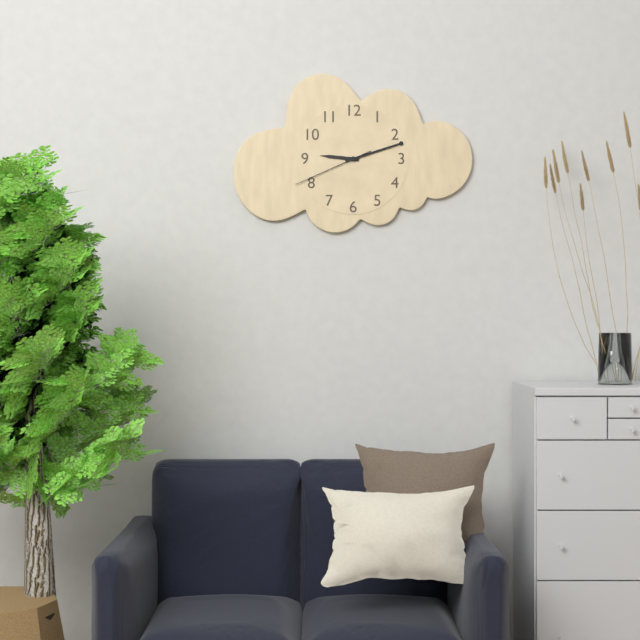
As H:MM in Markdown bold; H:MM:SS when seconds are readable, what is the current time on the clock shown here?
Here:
**9:12:41**
